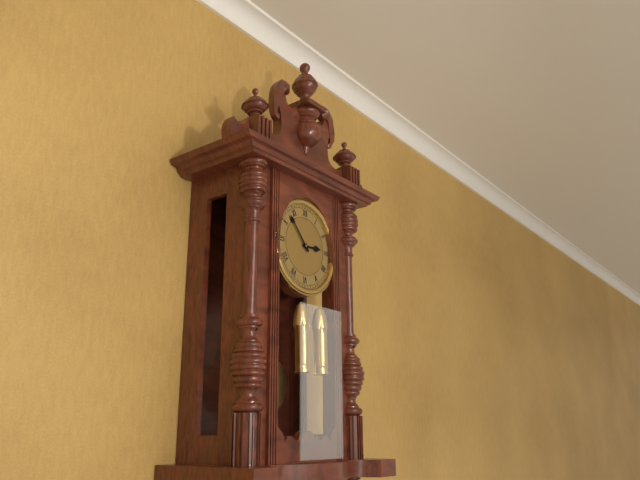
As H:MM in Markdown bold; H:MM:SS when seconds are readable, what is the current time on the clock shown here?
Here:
**2:53**
